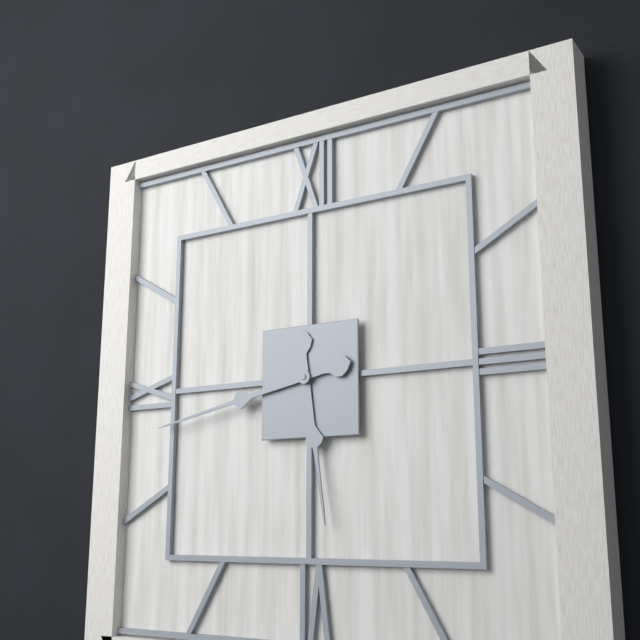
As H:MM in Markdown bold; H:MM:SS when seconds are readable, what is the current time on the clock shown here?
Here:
**5:43**
